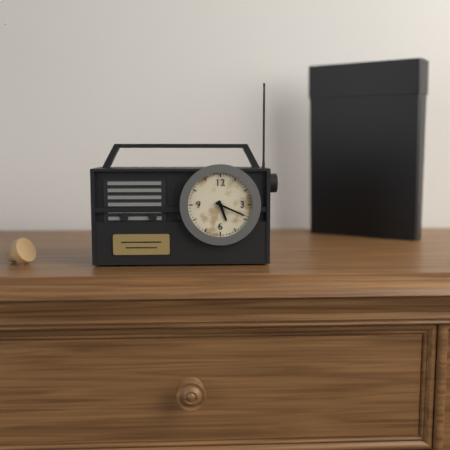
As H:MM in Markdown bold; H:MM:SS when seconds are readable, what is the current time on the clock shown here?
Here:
**5:19**
